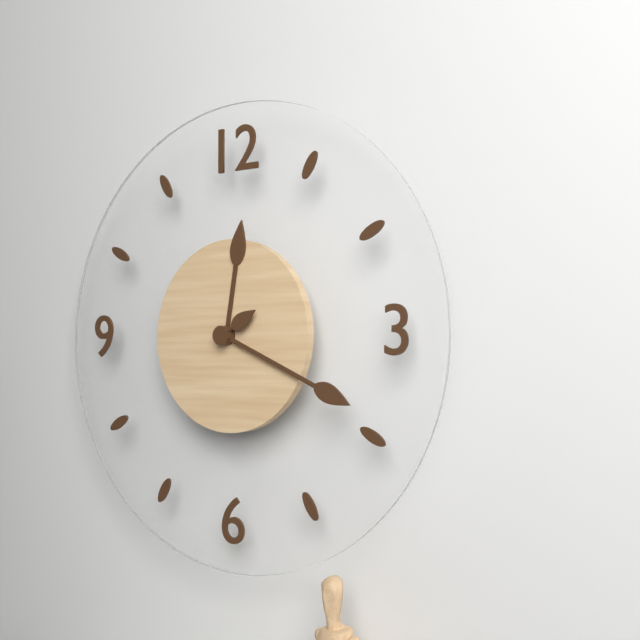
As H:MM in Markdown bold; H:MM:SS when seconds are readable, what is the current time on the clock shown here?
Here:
**12:19**
